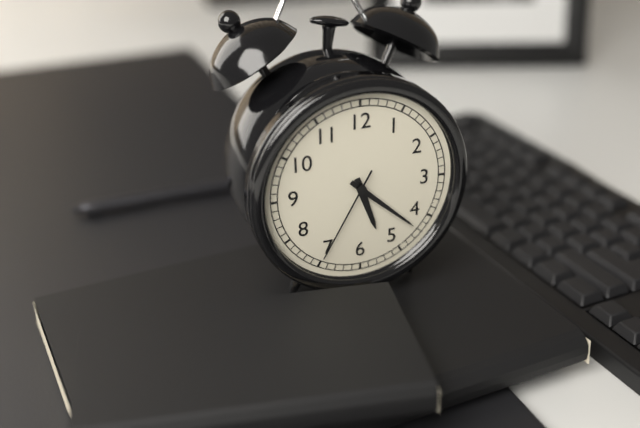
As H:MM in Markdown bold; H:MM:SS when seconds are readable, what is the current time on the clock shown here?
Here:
**5:22:35**
